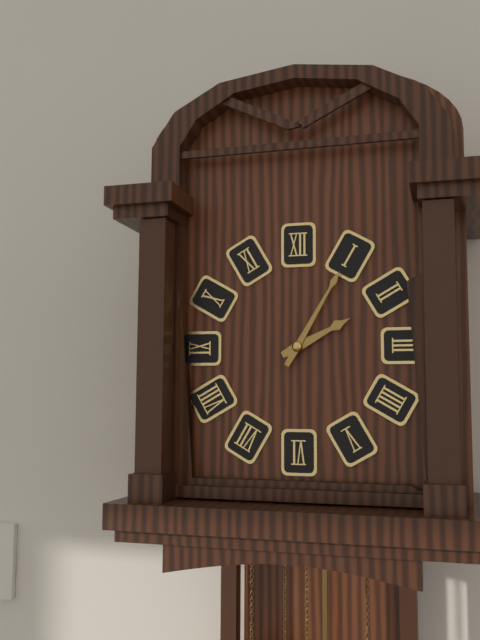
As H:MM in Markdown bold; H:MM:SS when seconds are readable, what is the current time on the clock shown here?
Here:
**2:05**
